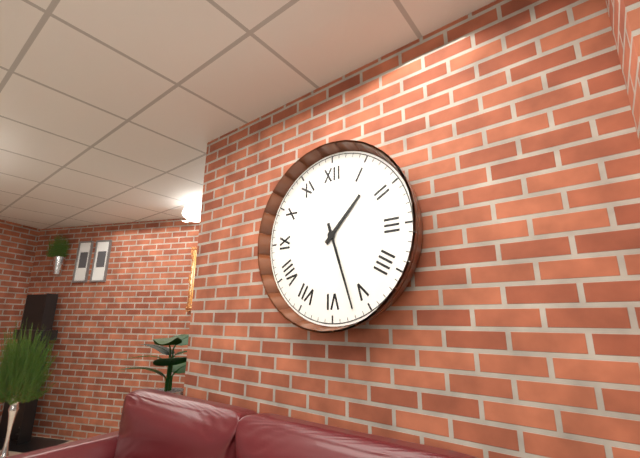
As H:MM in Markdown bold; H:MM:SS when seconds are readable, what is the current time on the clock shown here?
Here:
**1:27**
